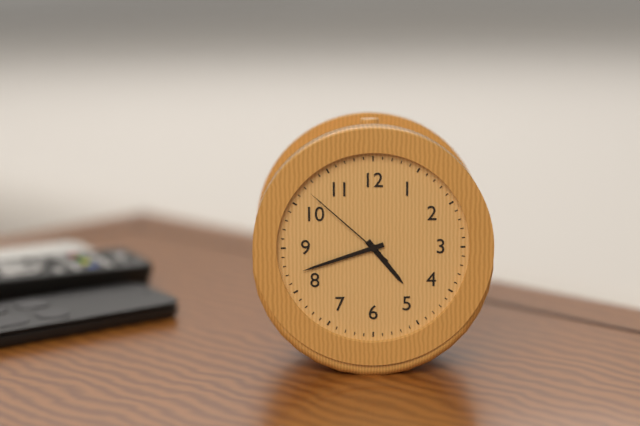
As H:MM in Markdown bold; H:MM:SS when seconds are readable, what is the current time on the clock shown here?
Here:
**4:42:52**
